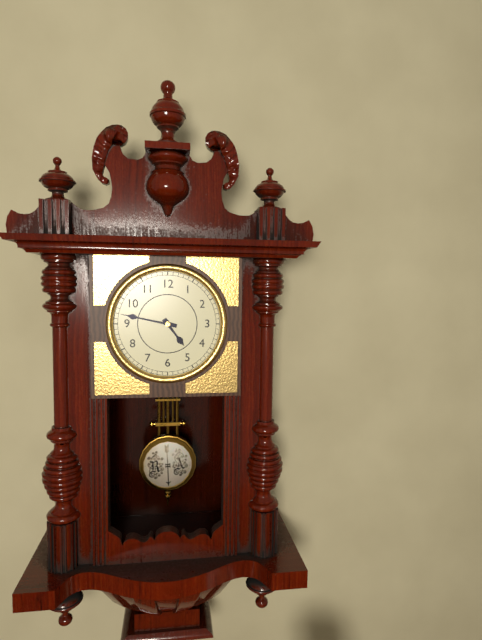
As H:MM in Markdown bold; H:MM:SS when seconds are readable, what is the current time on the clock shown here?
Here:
**4:47**
